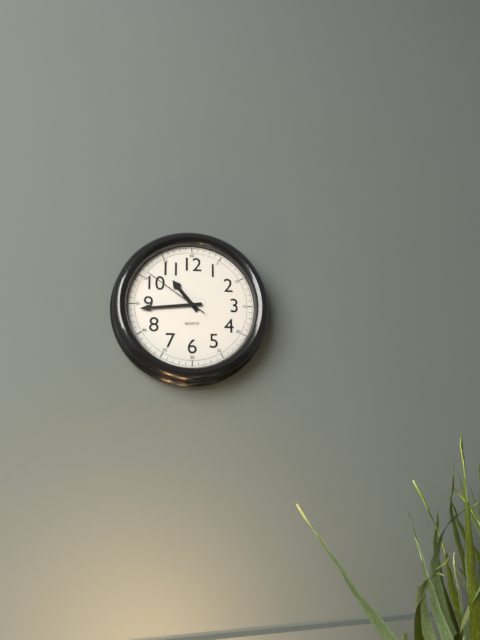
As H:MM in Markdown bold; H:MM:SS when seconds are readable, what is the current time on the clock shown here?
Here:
**10:44:51**
